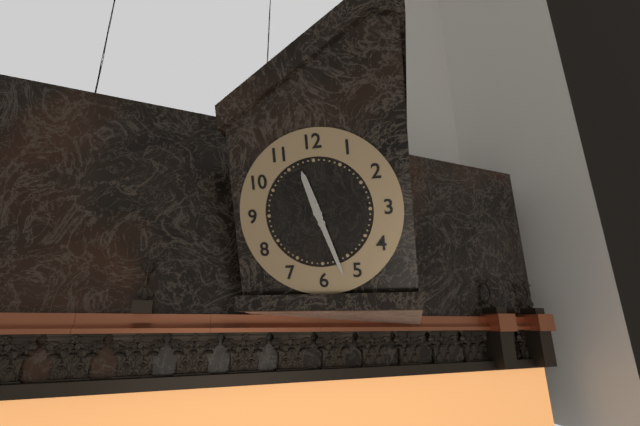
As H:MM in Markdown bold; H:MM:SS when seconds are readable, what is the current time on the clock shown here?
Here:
**11:27**
